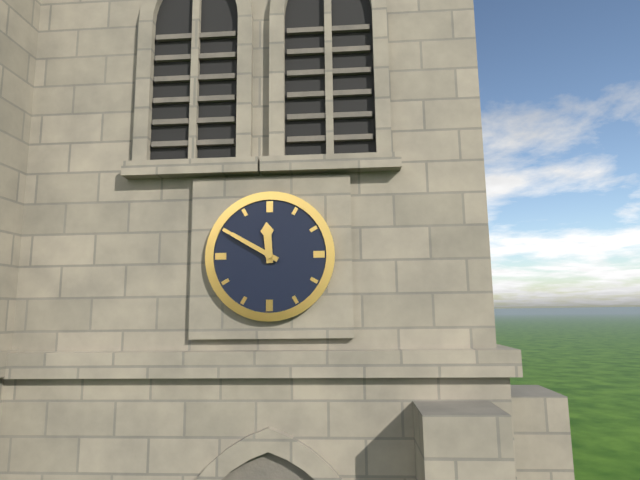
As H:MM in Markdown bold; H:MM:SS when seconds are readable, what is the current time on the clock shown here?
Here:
**11:50**
